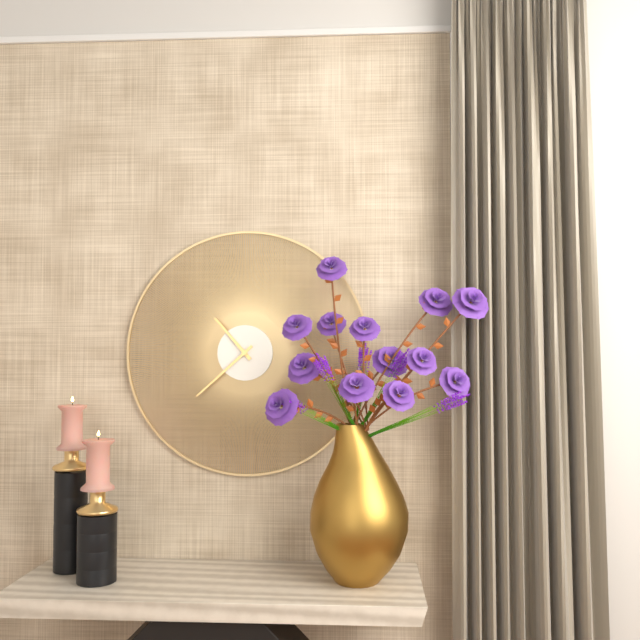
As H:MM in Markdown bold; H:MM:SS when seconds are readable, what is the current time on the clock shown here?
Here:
**10:38**
